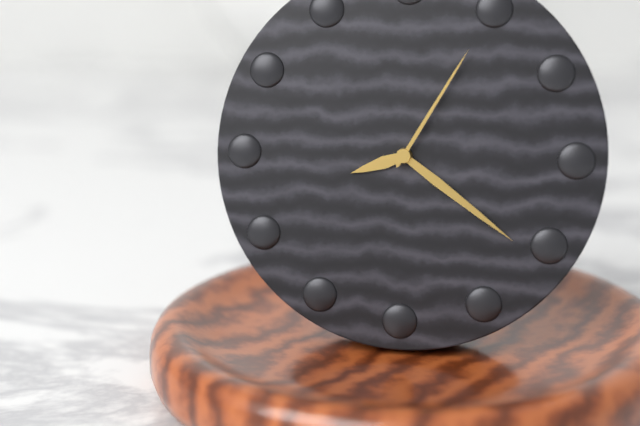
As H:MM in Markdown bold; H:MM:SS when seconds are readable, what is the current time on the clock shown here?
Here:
**8:21:05**
